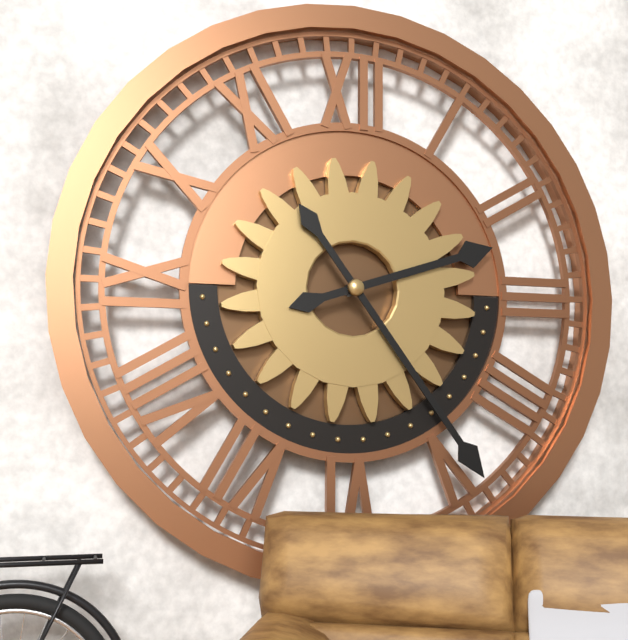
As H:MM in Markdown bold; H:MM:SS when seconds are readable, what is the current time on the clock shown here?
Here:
**2:24**
